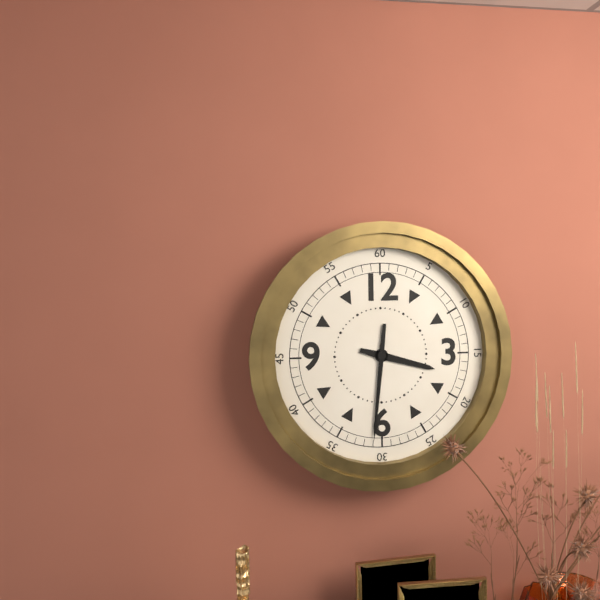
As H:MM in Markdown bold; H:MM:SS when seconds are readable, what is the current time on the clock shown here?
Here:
**3:31**
